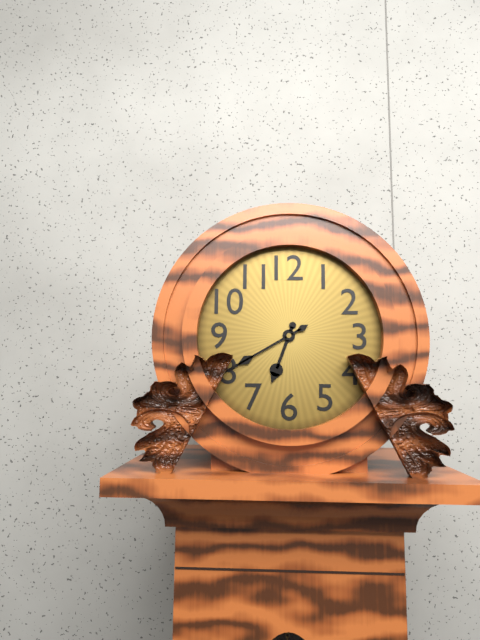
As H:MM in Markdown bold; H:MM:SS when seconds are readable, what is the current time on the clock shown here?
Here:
**6:40**
